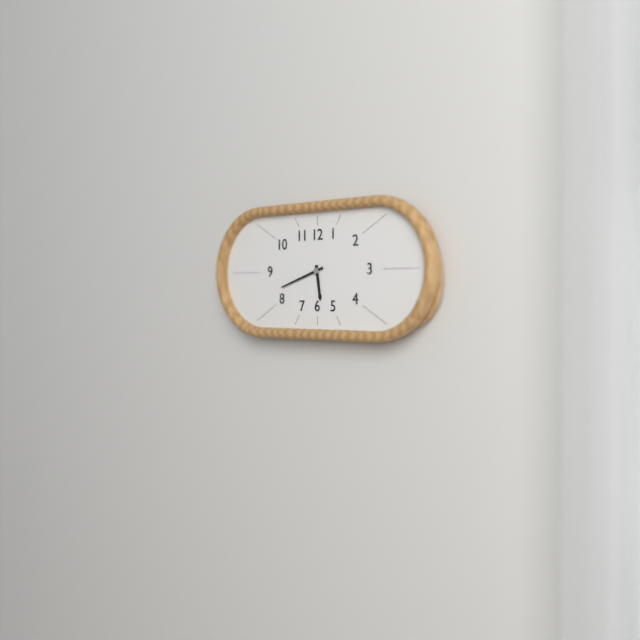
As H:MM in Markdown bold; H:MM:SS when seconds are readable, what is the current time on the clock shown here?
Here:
**5:42**
